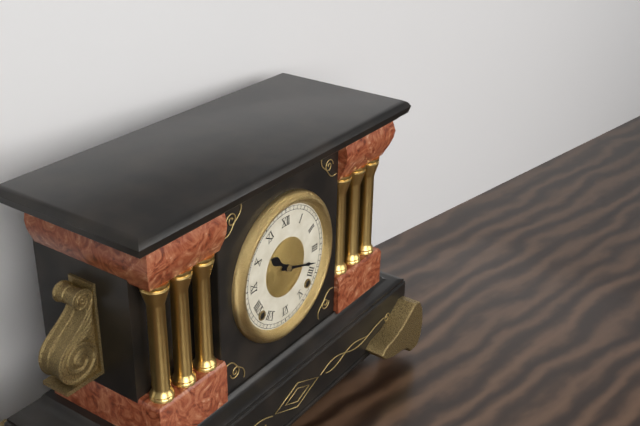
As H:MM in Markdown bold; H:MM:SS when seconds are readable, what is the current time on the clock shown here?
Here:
**10:18**
